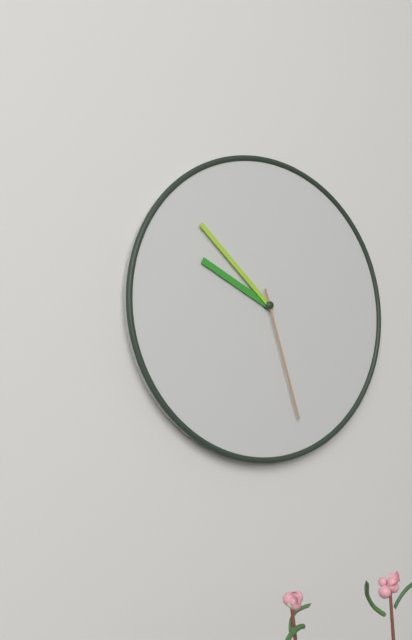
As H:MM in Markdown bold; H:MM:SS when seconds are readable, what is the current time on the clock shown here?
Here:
**9:52:27**
